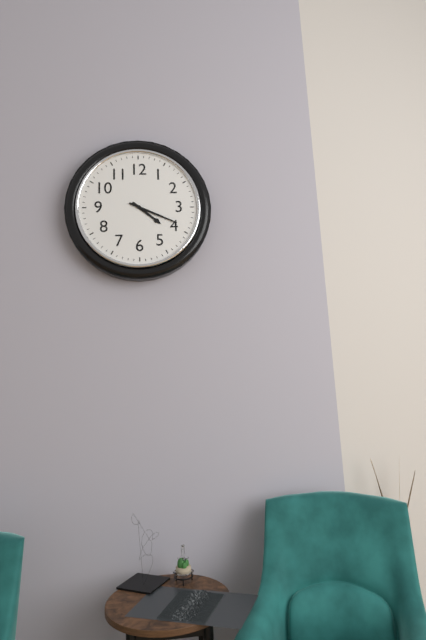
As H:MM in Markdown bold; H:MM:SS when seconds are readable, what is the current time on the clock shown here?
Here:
**4:19**
